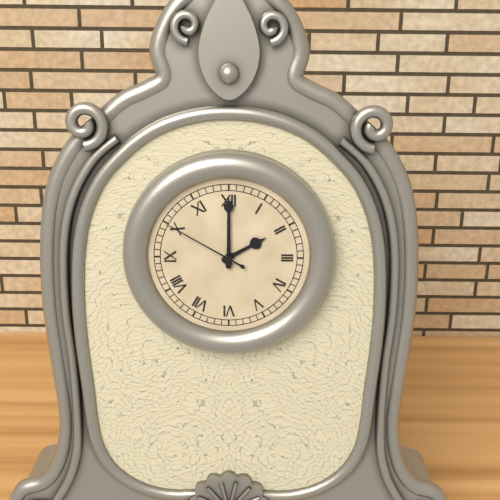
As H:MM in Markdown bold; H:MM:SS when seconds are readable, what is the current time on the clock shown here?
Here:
**2:00:50**
